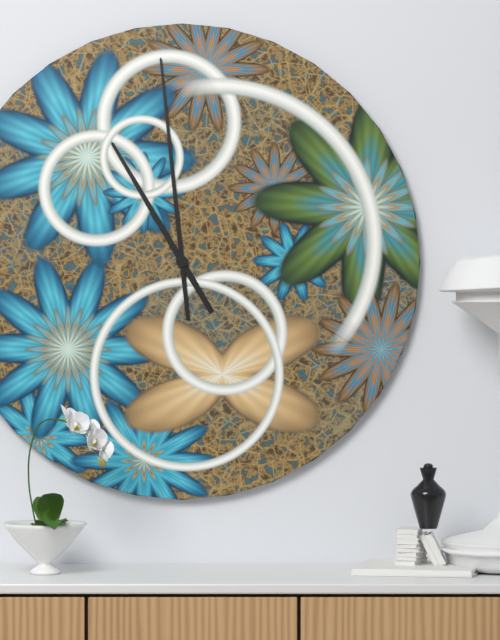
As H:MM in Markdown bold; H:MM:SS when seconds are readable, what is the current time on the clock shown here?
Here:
**10:59**
